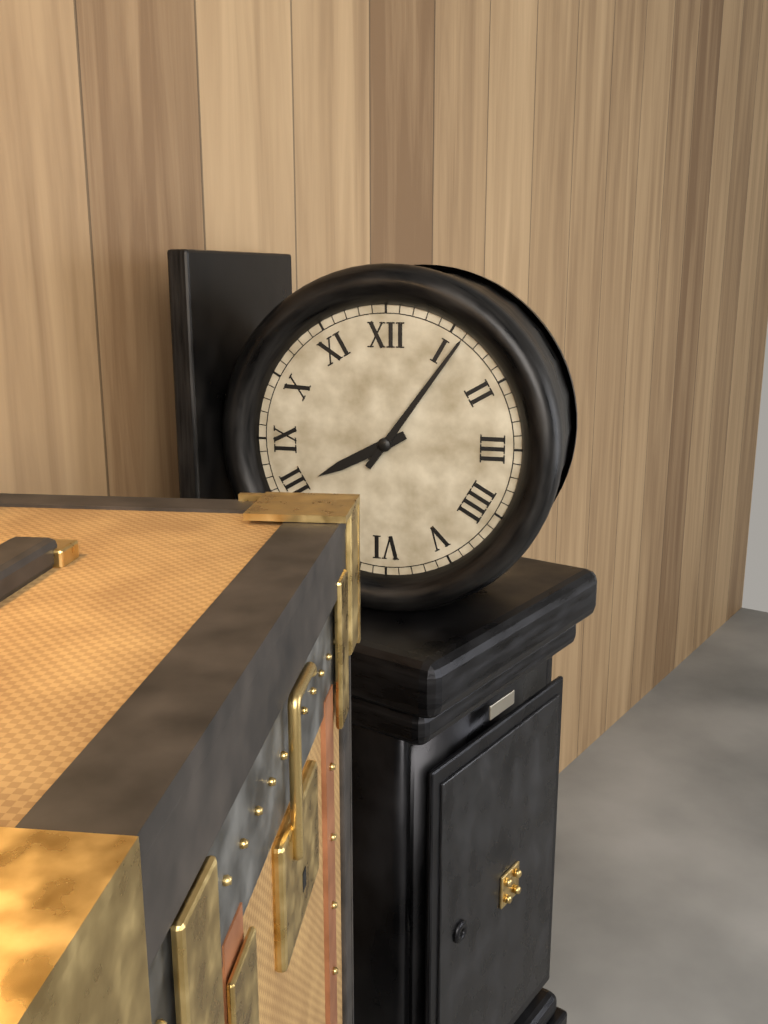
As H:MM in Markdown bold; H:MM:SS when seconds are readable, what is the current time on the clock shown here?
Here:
**8:06**
